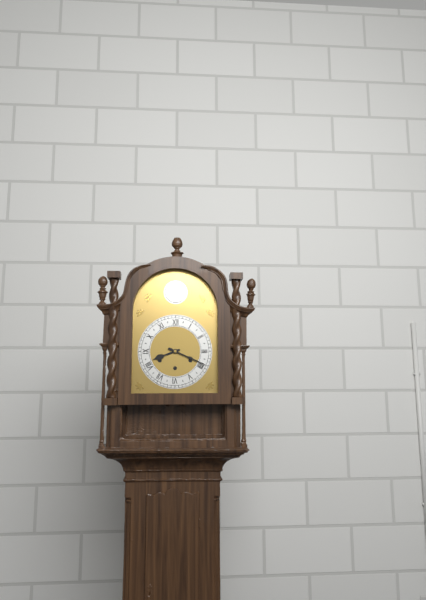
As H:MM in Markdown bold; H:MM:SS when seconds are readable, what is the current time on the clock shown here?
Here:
**8:19**
